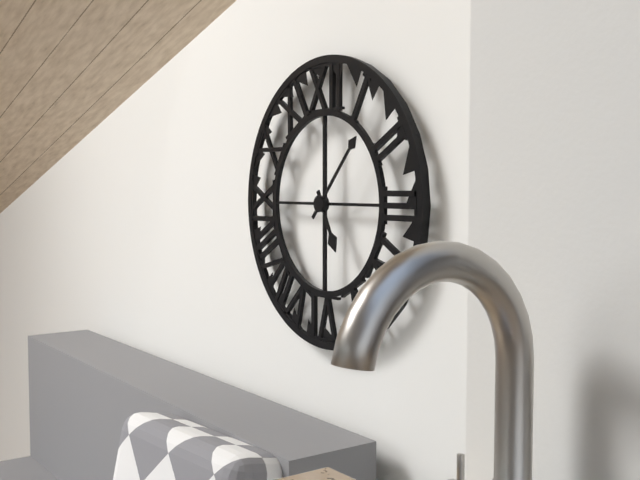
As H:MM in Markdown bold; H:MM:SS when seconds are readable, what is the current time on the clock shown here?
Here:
**5:07**
